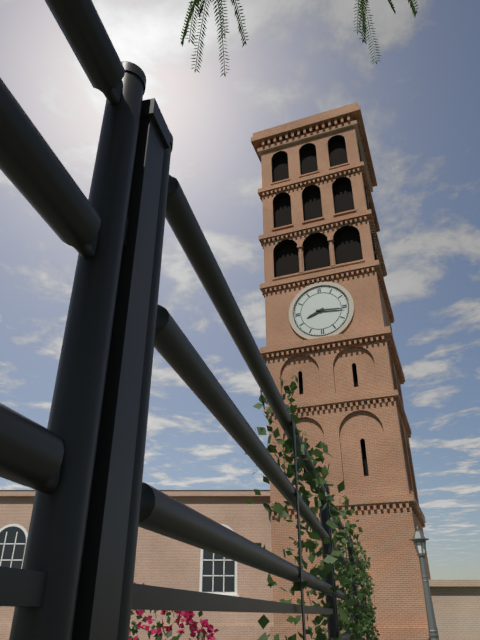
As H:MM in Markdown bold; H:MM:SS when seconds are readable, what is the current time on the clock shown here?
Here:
**8:16**
